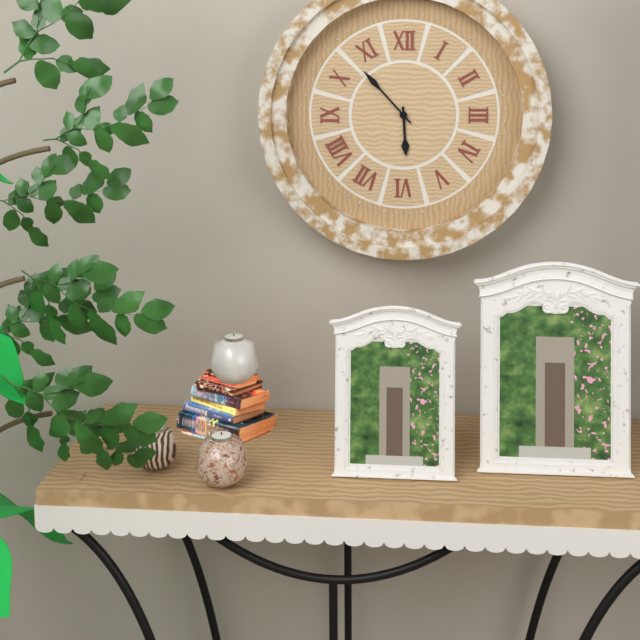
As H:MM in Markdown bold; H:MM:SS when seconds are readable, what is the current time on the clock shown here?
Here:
**5:53**
